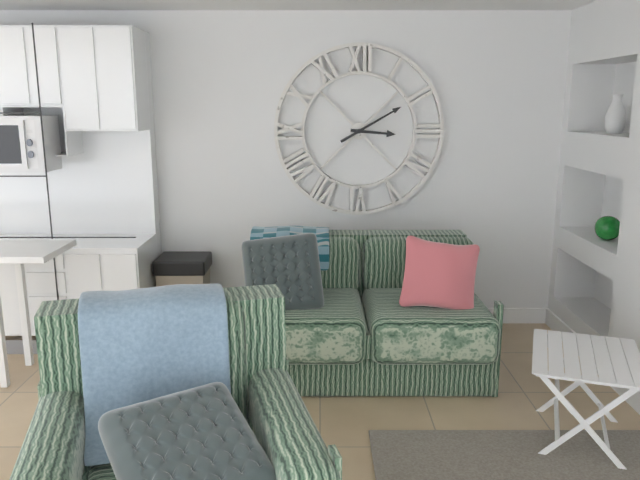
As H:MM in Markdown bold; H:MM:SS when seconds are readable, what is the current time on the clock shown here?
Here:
**3:10**
